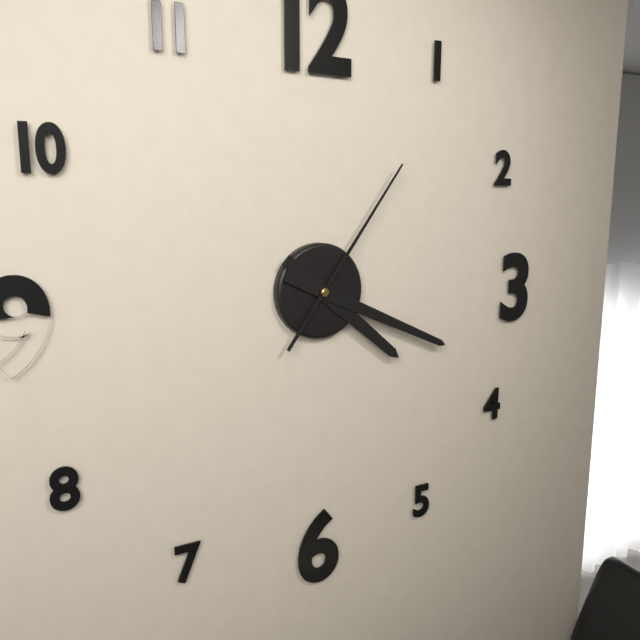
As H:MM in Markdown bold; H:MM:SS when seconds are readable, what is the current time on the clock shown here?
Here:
**4:19:06**
